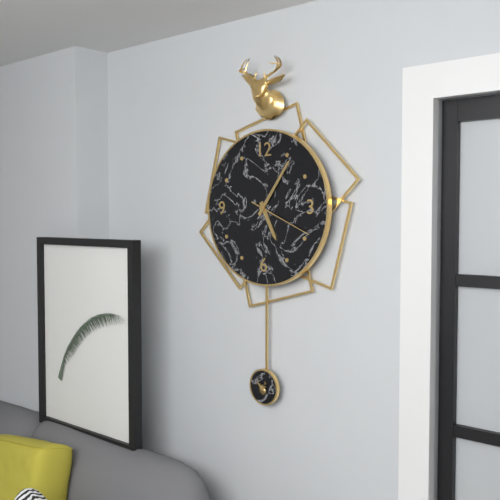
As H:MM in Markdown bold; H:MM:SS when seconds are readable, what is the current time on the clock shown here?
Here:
**5:06:19**
